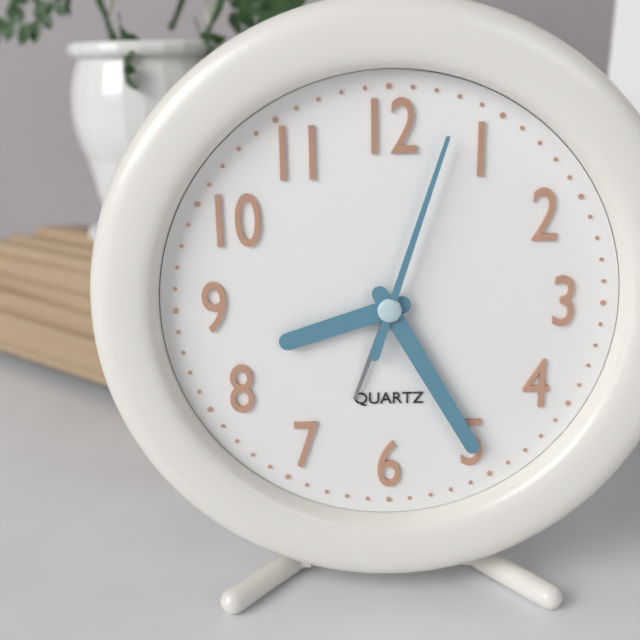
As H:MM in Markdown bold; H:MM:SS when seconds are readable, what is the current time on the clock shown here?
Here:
**8:25:03**
